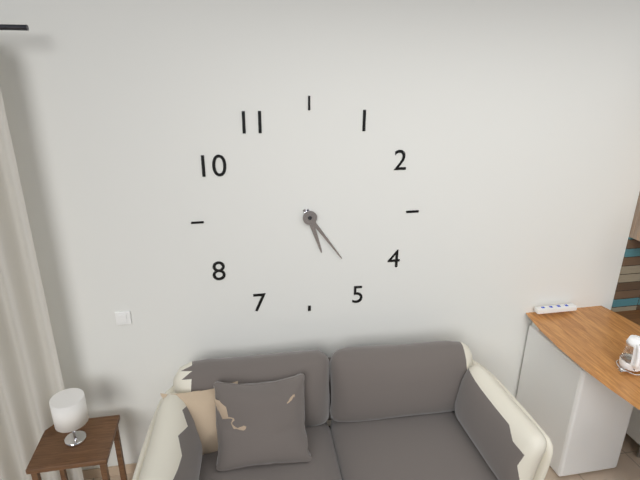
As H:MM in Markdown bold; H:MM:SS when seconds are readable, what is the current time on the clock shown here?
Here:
**5:24**
